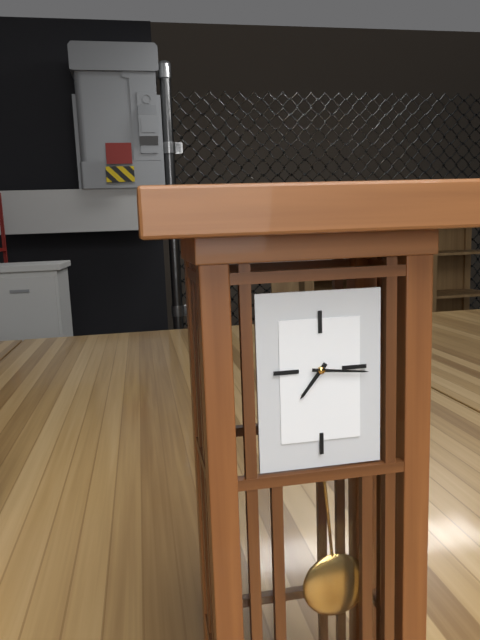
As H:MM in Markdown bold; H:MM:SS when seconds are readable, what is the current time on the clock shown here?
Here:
**7:16**
